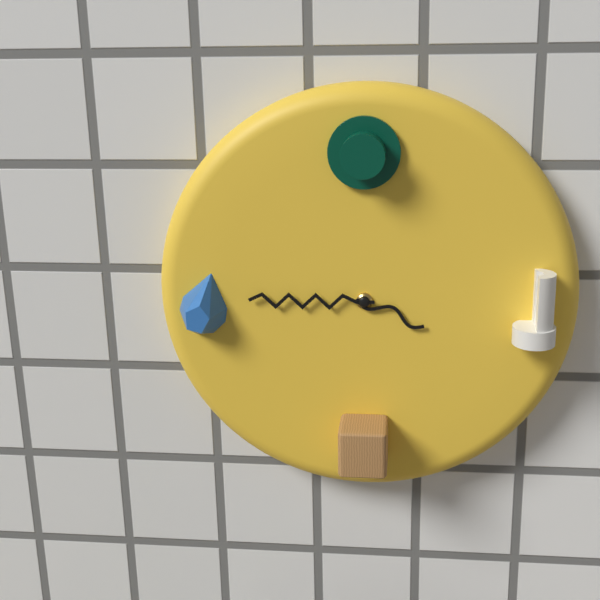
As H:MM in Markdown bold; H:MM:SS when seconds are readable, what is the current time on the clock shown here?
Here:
**3:45**
